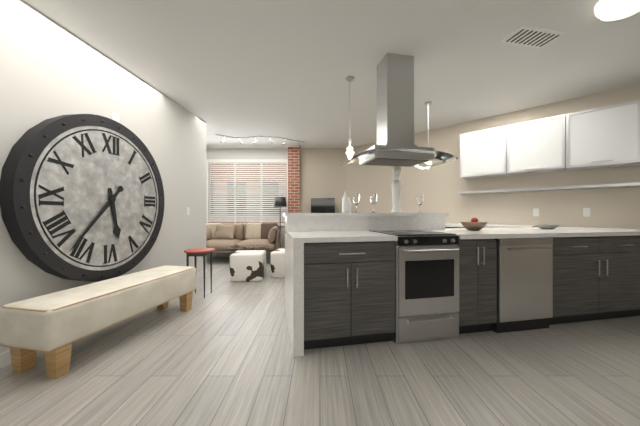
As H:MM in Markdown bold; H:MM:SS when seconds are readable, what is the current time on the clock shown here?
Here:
**5:37**
